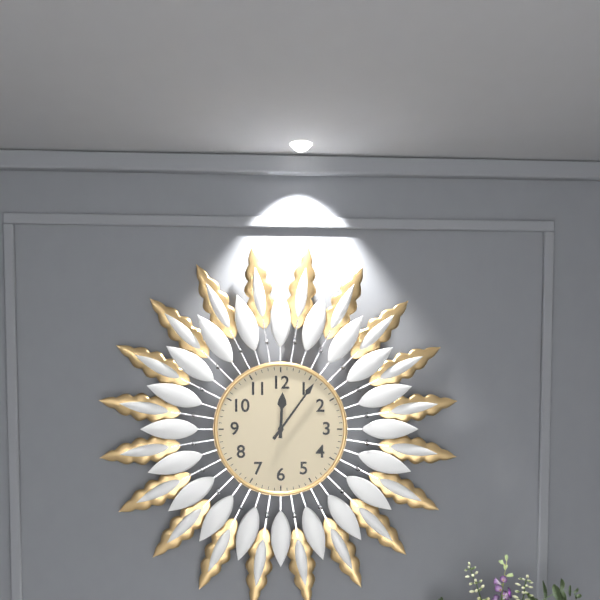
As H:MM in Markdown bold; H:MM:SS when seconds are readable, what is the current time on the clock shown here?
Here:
**12:06**
